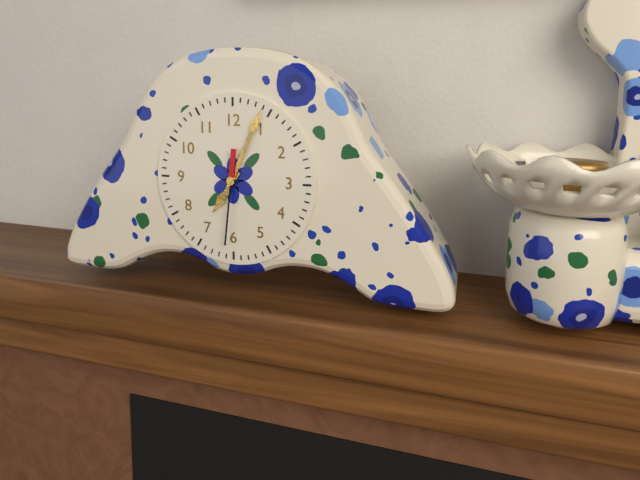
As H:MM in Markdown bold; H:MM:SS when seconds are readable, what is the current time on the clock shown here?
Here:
**7:04:31**
